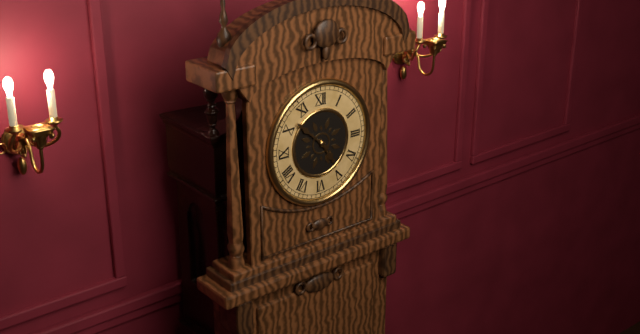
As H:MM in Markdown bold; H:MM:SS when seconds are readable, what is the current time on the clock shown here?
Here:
**4:52**
